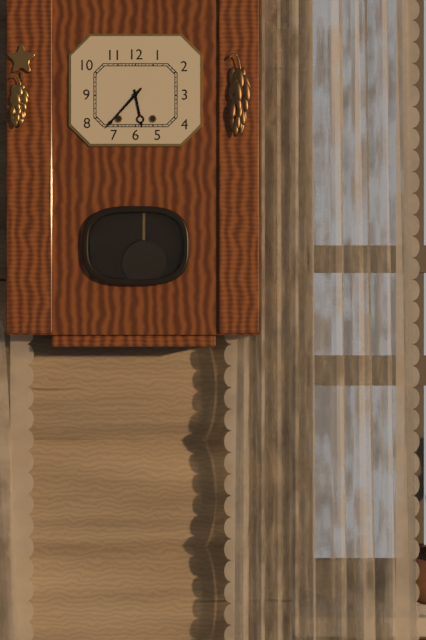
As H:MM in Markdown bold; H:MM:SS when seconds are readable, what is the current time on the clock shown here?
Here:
**5:37**
